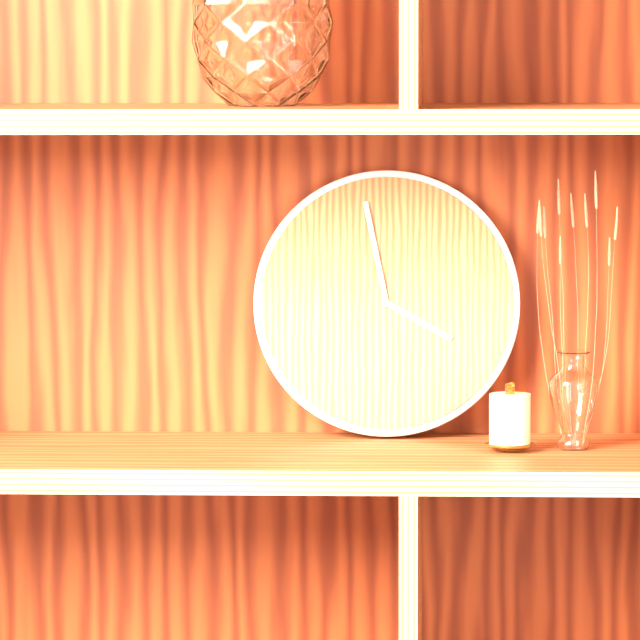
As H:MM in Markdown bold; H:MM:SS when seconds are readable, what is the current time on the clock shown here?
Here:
**3:58**
